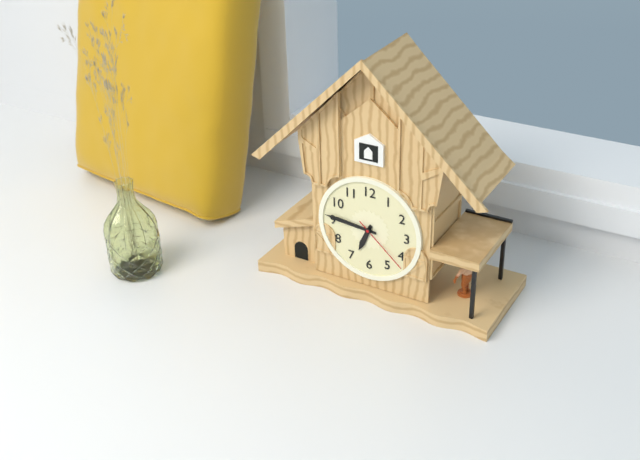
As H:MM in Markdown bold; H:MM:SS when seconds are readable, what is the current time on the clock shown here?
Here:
**6:46:22**
